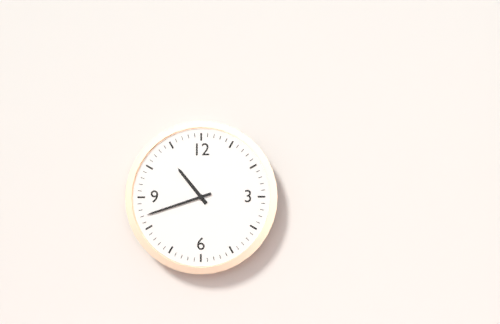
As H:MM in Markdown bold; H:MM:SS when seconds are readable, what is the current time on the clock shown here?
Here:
**10:42**
